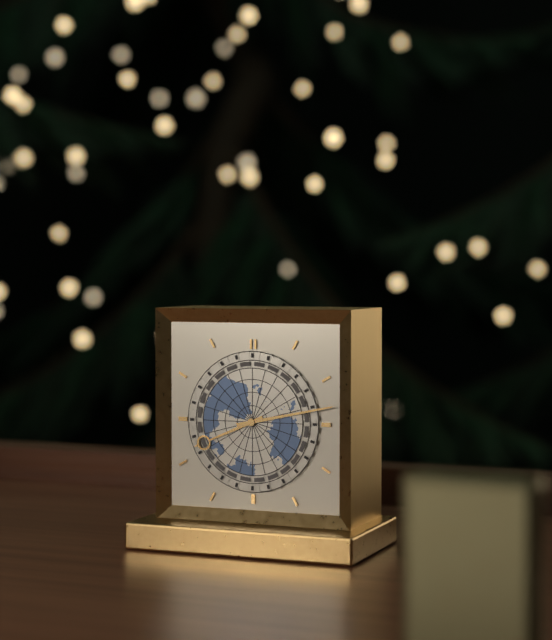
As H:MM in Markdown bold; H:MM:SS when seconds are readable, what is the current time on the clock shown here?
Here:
**8:13**
